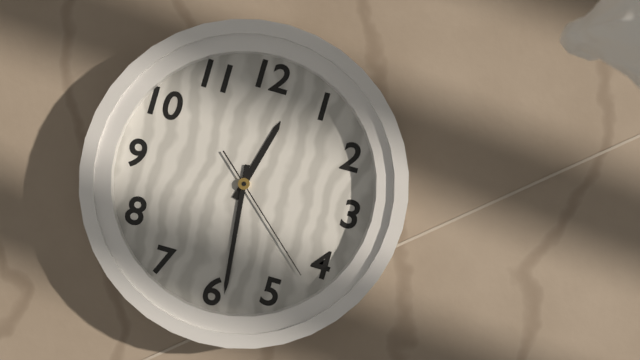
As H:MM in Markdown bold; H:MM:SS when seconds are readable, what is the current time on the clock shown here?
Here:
**12:29:22**
